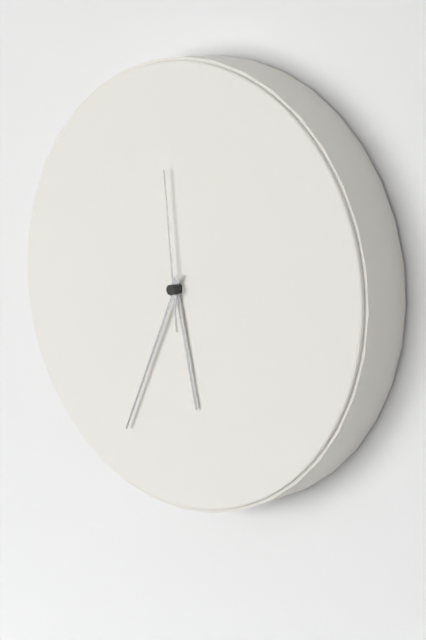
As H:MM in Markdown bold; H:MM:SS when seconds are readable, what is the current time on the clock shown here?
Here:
**5:34:59**
